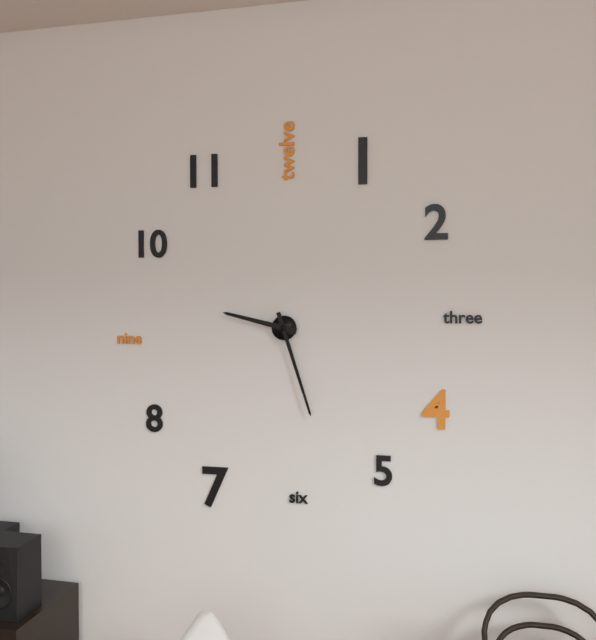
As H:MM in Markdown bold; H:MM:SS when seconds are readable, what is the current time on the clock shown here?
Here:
**9:27**
